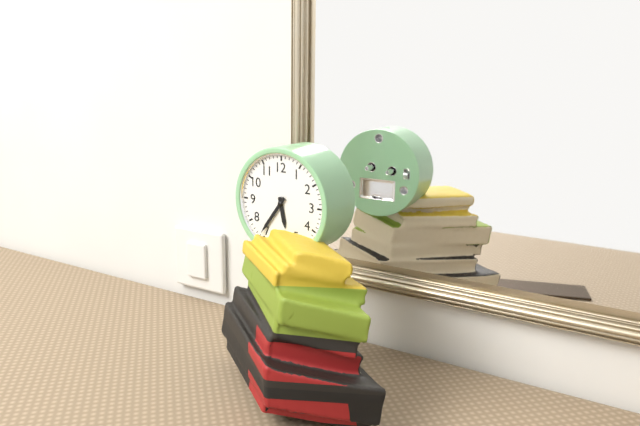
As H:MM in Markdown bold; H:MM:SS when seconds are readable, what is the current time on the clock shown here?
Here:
**5:36**
